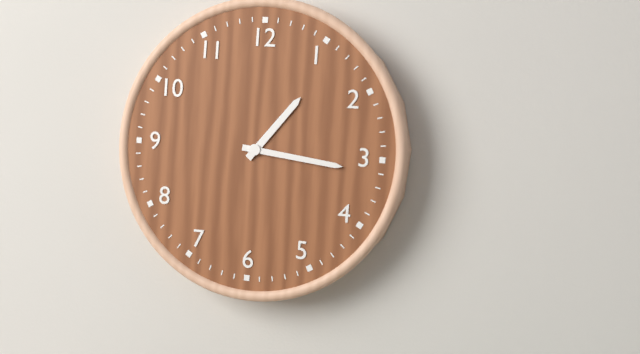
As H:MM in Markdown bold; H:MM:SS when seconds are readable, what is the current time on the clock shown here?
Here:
**1:16**
